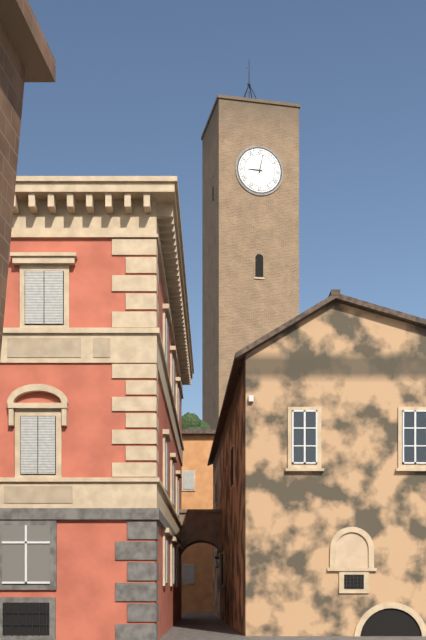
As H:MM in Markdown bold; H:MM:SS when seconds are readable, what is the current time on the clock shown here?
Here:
**9:02**
